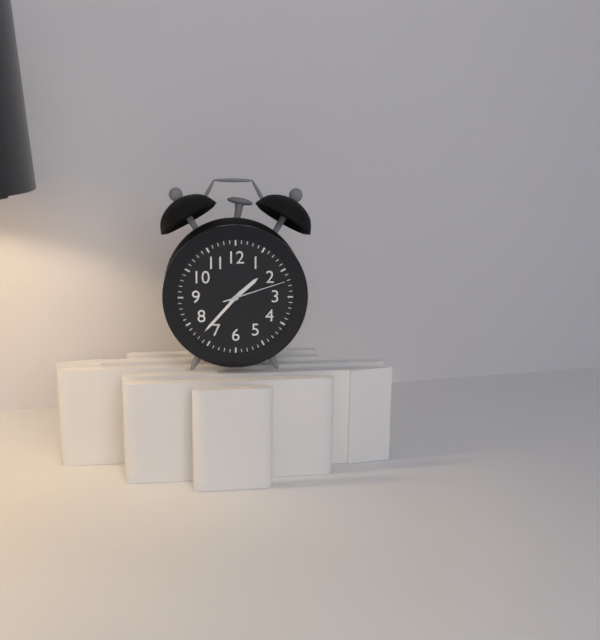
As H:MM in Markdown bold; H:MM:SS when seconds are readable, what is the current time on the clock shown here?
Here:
**1:37:12**
